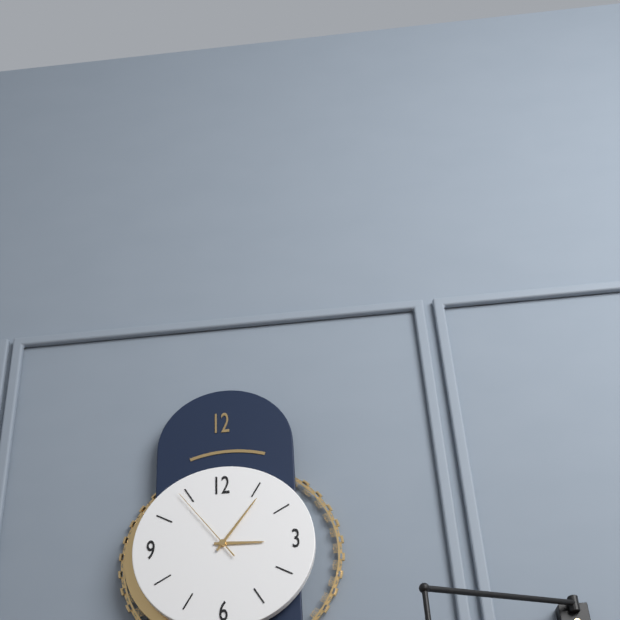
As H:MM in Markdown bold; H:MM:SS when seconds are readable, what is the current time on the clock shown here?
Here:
**3:06:54**
